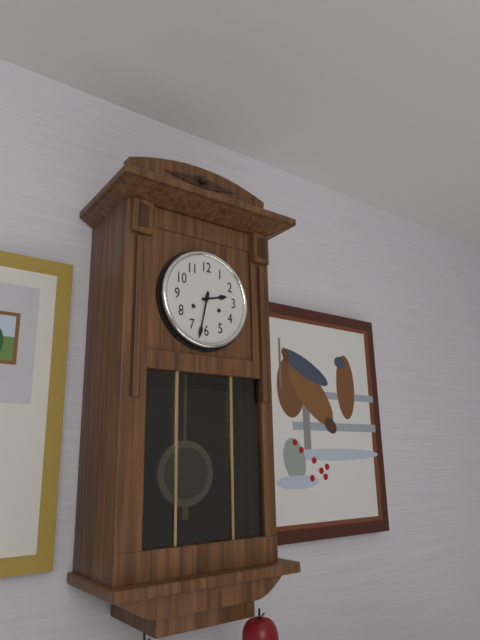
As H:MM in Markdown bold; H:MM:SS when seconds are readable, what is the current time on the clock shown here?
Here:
**2:32**
